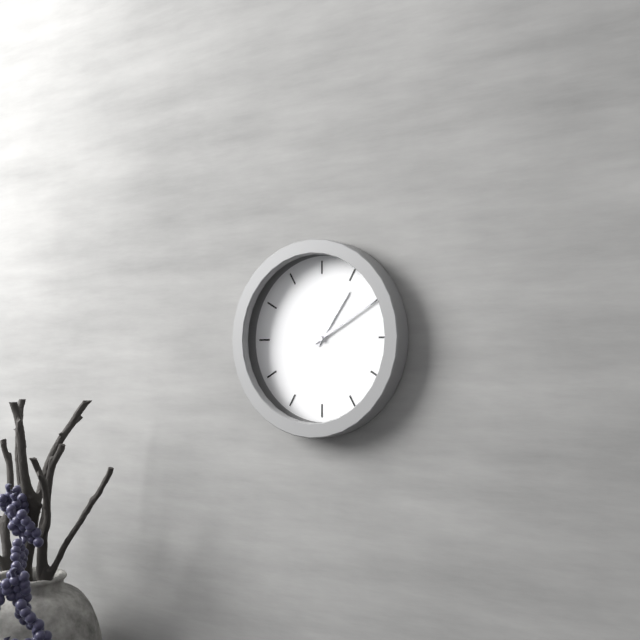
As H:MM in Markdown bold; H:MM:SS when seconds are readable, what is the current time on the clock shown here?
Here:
**1:10**
